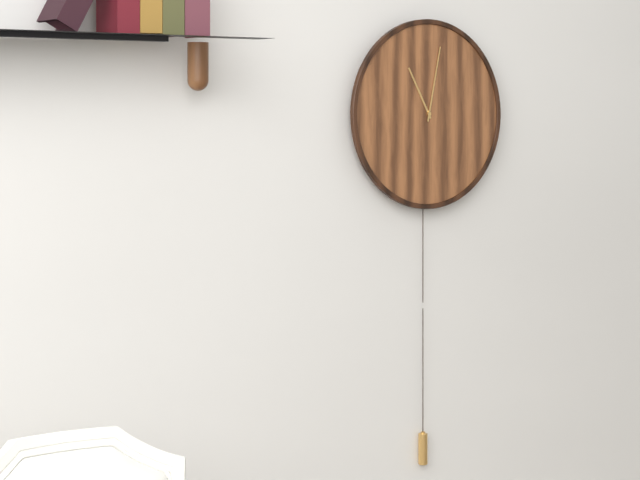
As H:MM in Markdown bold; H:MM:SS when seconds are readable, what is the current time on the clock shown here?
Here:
**11:02**
